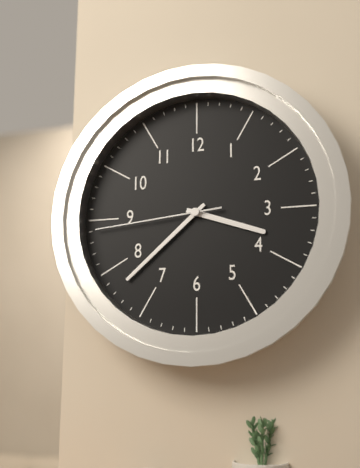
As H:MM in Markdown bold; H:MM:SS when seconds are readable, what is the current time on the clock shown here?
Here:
**3:38:44**
